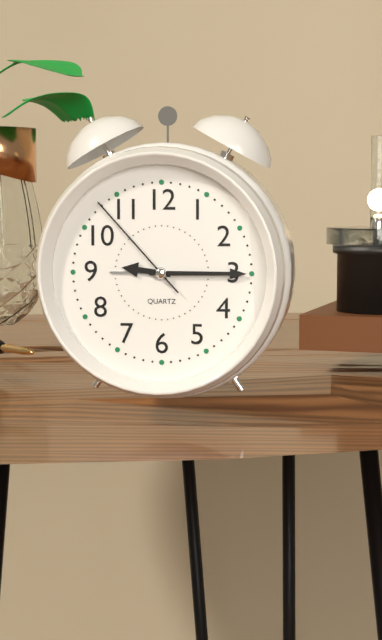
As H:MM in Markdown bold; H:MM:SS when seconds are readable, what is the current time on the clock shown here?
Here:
**9:15:53**
